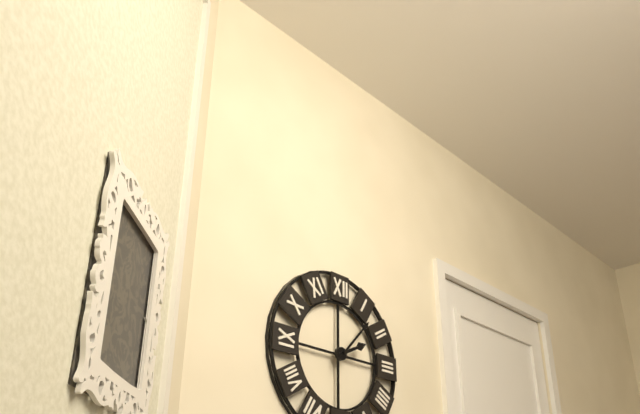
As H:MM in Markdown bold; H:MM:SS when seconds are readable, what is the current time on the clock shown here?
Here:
**2:07**
